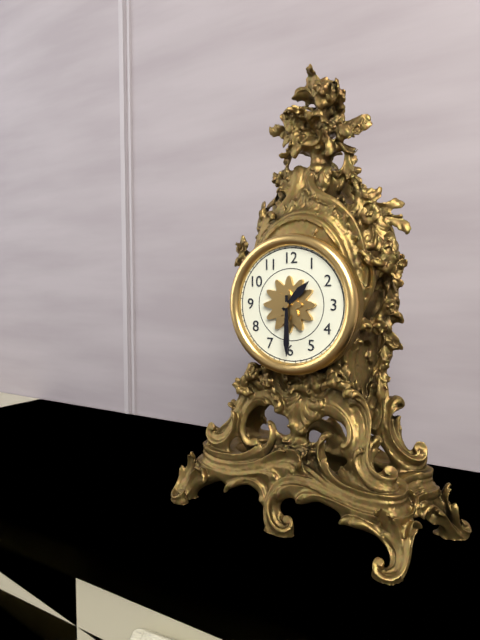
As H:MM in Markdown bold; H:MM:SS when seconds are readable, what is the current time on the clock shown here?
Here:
**1:30**
